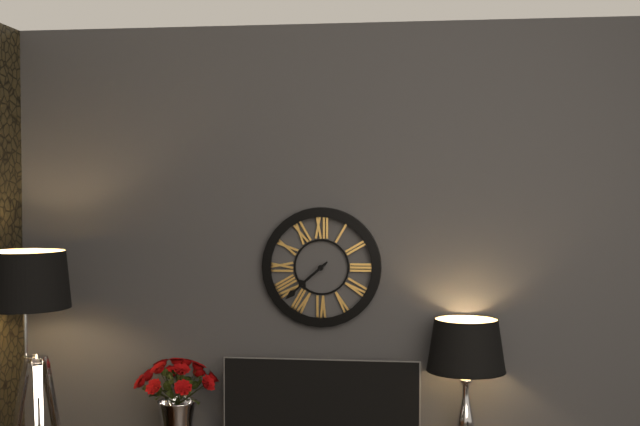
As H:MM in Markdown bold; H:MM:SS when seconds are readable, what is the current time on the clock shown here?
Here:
**7:38**
